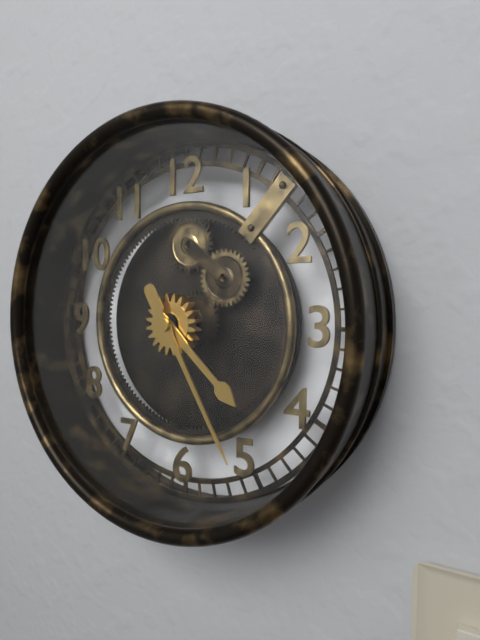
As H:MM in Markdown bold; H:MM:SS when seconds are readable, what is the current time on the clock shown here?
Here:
**4:25**
